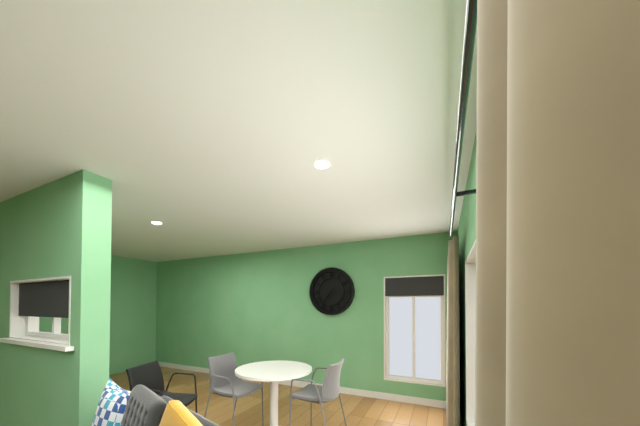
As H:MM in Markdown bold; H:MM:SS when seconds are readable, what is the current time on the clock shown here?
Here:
**7:36**
